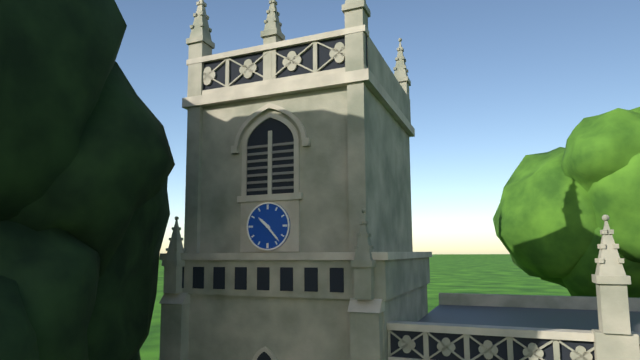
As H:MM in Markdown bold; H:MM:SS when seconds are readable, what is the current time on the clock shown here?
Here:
**10:23**
